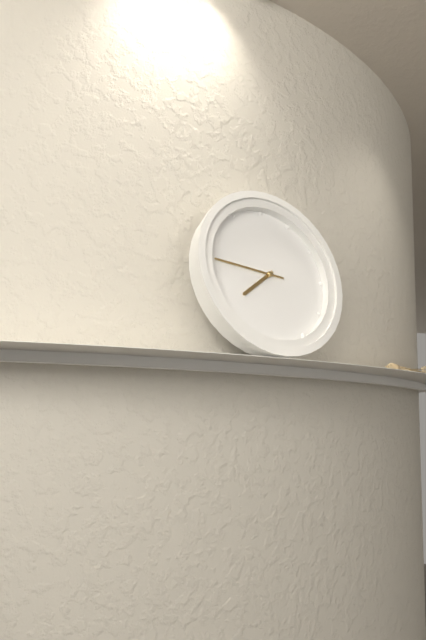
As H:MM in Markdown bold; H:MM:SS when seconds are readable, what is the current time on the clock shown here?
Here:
**7:46**
